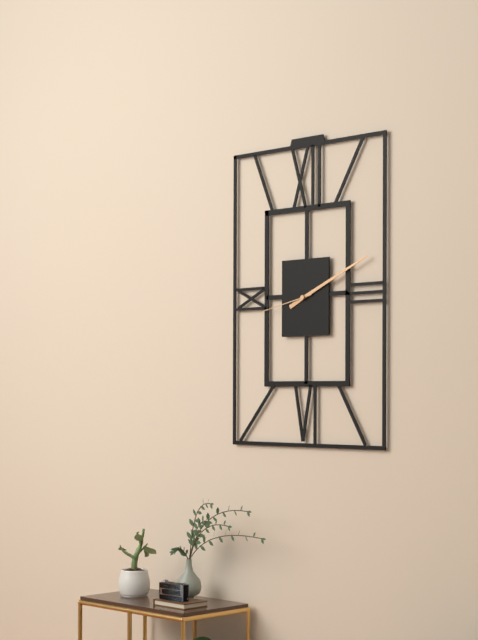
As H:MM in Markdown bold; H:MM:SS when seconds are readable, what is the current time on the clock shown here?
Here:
**2:11:43**
